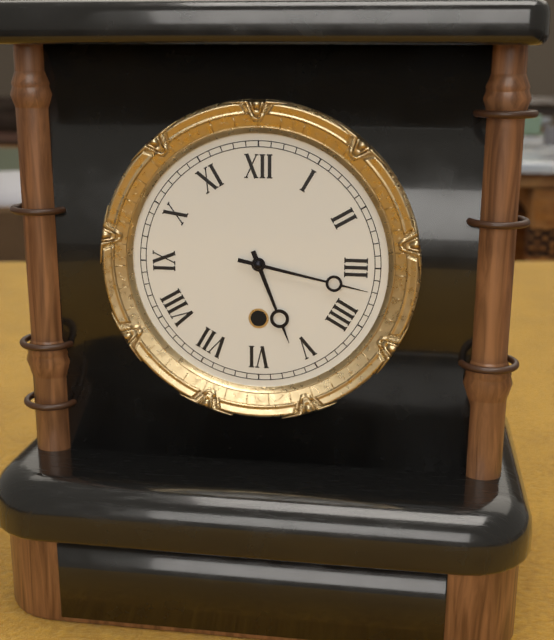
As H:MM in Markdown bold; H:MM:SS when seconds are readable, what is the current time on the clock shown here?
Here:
**5:17**
